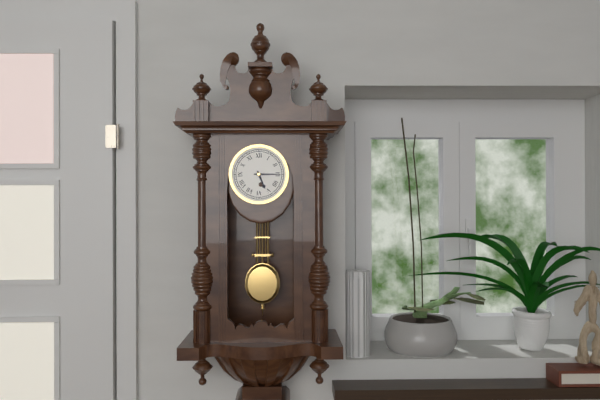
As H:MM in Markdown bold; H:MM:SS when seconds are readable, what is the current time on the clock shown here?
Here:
**5:15**
